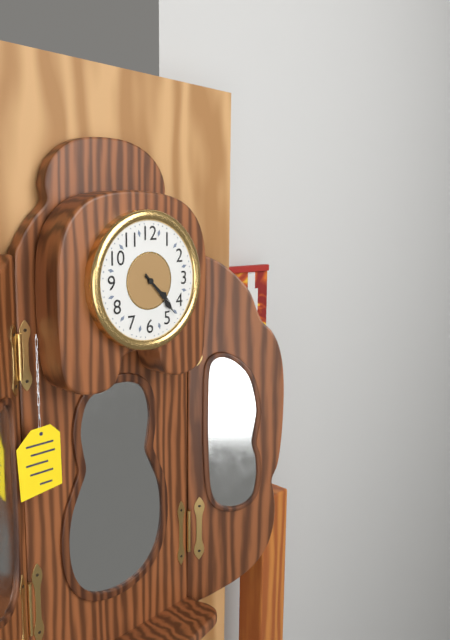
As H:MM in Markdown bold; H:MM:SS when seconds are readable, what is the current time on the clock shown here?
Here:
**4:23**
